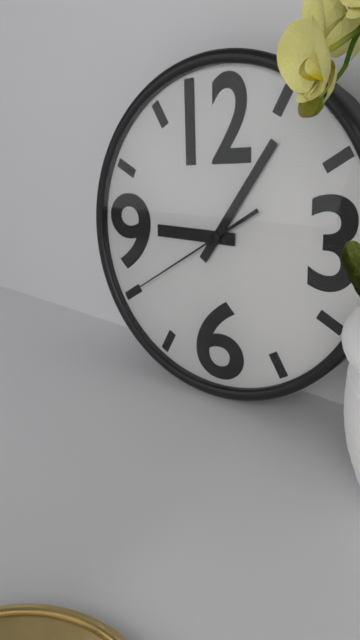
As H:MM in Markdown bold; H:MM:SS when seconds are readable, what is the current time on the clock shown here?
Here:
**9:06:40**
